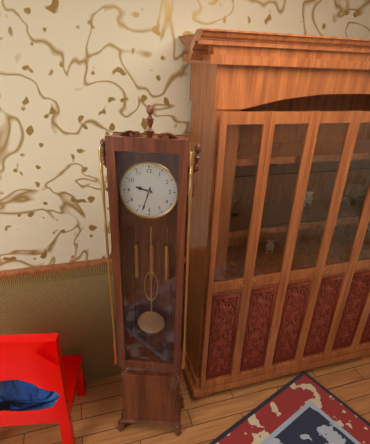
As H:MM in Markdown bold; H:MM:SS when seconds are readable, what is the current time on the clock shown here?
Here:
**9:33**
